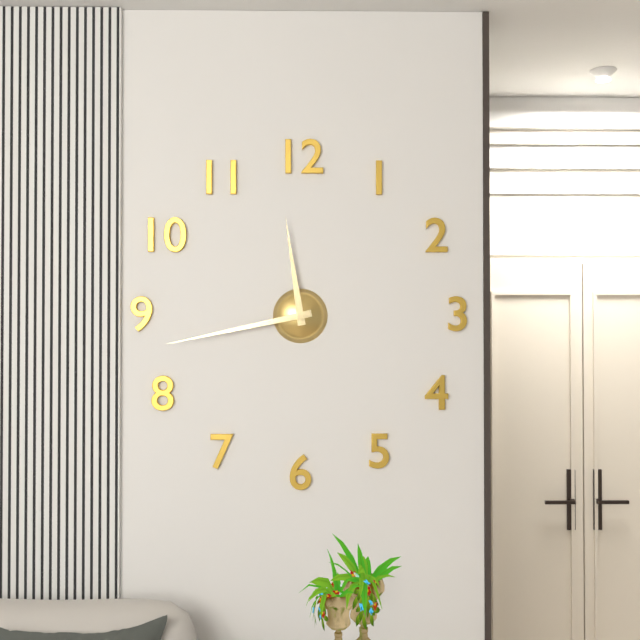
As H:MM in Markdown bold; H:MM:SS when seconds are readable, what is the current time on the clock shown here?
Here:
**11:43**
